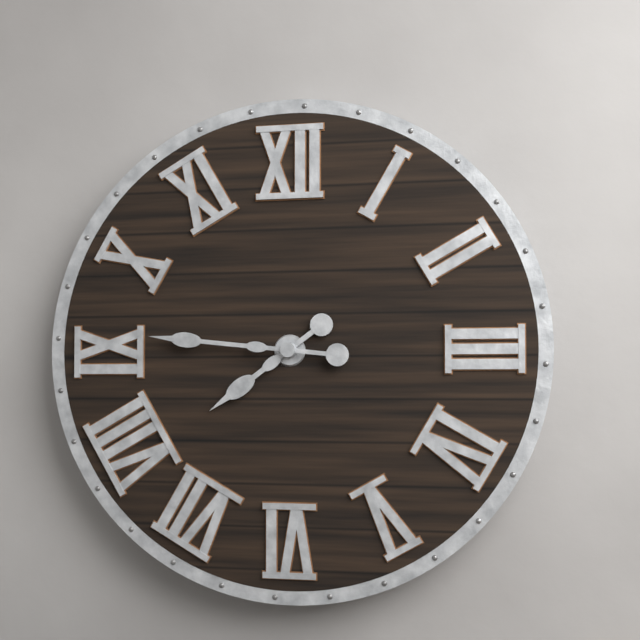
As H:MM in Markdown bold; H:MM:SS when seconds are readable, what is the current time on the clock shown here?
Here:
**7:46**
